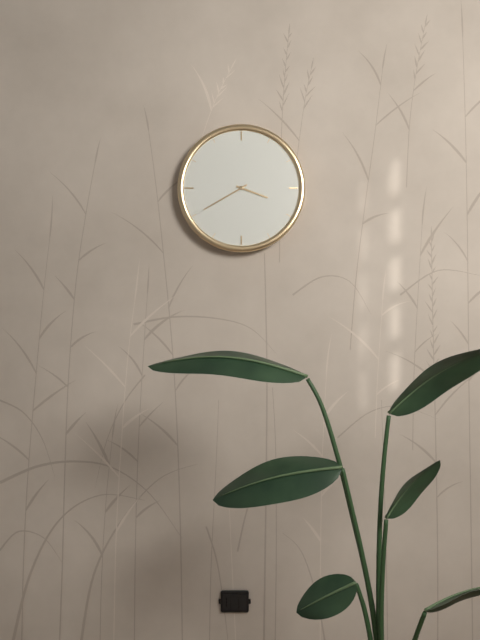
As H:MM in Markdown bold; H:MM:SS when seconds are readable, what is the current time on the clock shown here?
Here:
**3:40**
